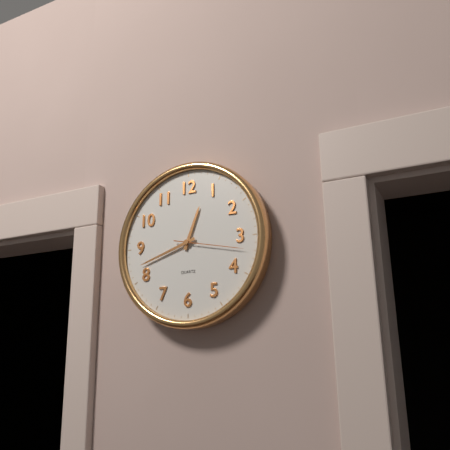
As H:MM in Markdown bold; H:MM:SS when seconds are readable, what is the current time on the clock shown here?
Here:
**12:42:17**
